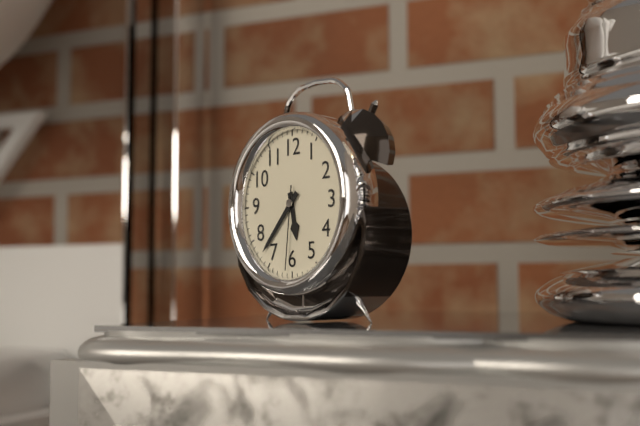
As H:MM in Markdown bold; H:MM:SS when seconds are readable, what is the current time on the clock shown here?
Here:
**5:37:31**
